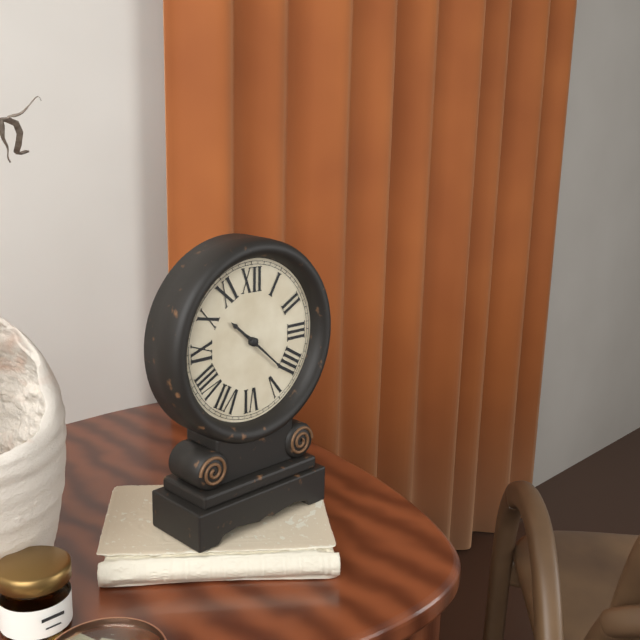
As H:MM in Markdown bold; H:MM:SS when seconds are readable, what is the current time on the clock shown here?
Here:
**10:22**
